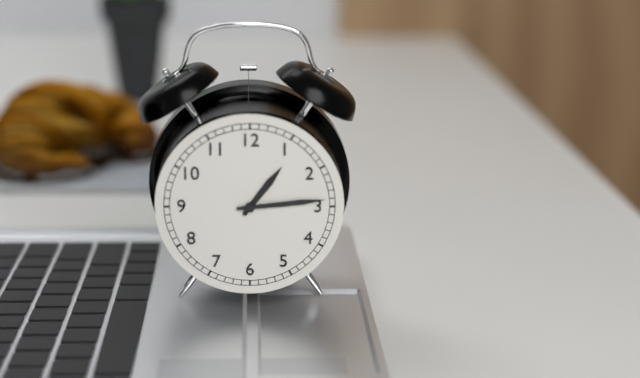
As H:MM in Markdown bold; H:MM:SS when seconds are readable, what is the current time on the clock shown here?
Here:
**1:14**
